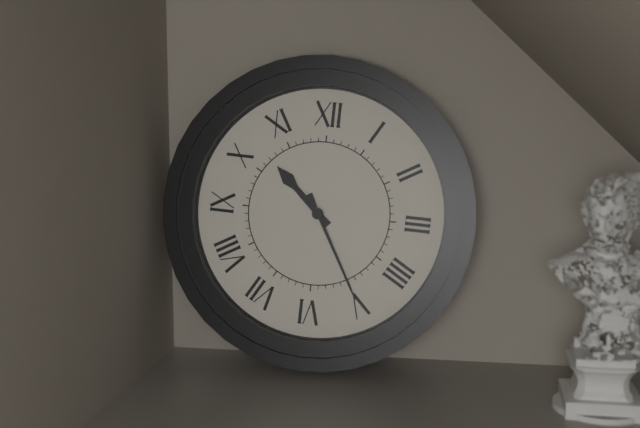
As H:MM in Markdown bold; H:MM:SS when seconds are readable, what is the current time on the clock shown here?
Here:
**10:25**
